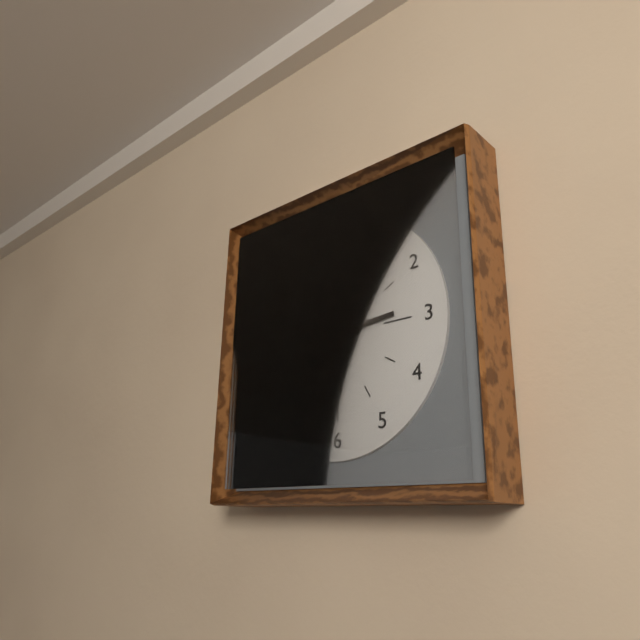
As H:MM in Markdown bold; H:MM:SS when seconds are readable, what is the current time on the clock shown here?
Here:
**2:49:58**
